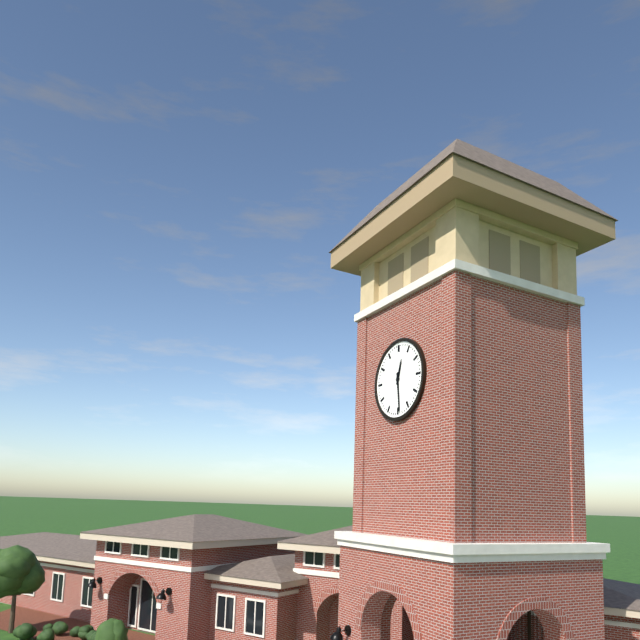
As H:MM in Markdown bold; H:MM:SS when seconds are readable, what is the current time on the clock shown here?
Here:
**12:29**
